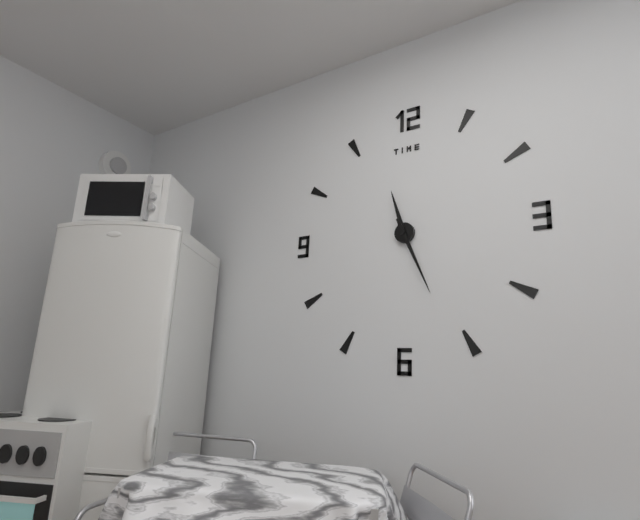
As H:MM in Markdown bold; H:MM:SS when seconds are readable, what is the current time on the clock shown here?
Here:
**11:26**
